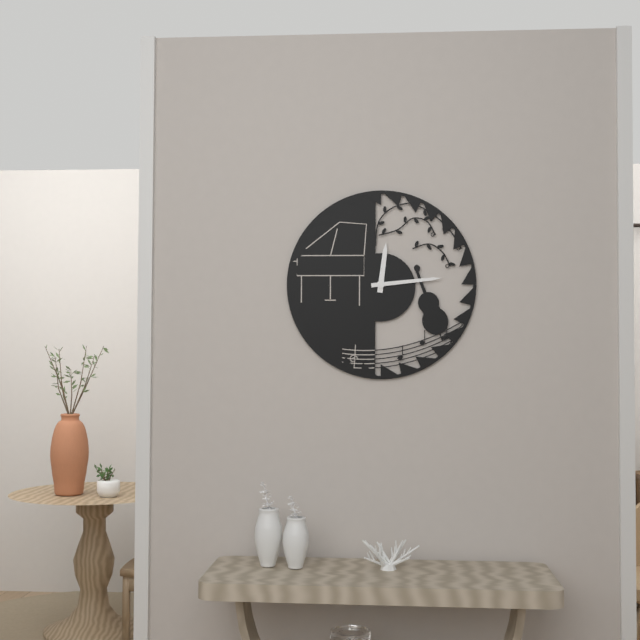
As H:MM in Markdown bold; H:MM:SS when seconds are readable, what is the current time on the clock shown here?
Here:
**12:14**
